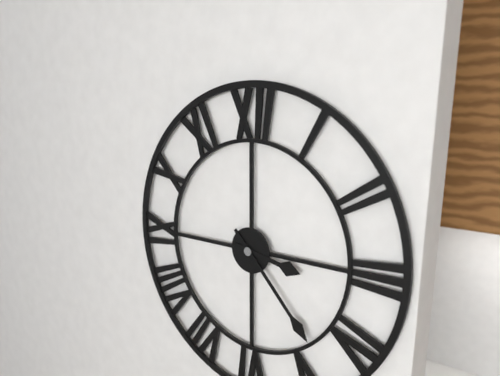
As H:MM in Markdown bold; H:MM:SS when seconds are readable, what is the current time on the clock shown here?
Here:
**3:23**
